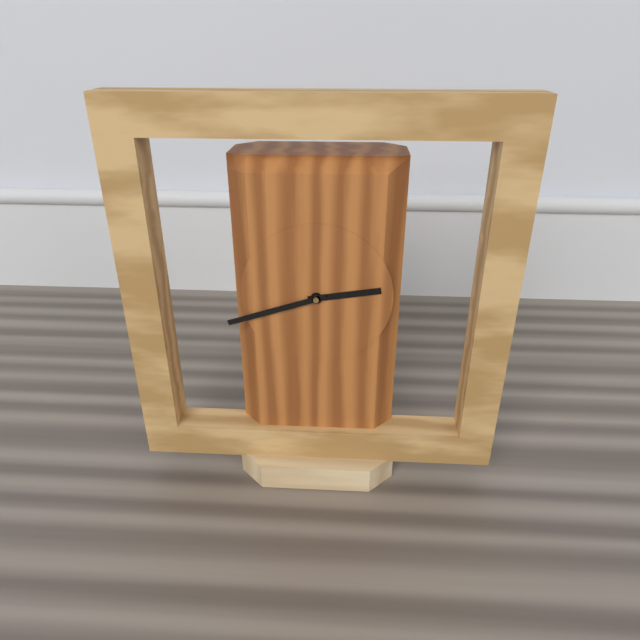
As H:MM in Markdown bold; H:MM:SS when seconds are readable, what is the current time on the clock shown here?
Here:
**2:42**
